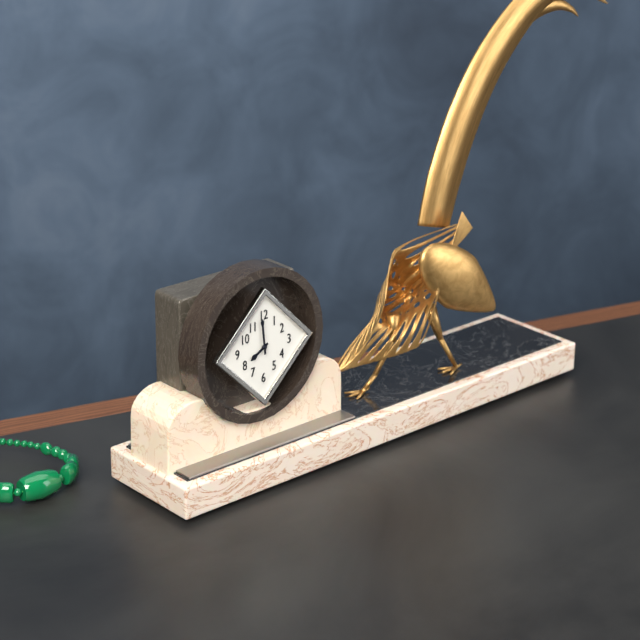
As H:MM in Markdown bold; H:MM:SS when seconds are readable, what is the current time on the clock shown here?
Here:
**7:59**
